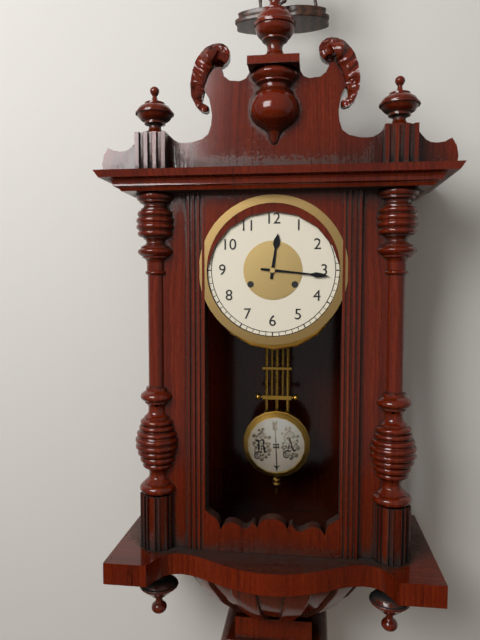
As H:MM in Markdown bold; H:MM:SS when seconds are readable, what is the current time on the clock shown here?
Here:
**12:16**
